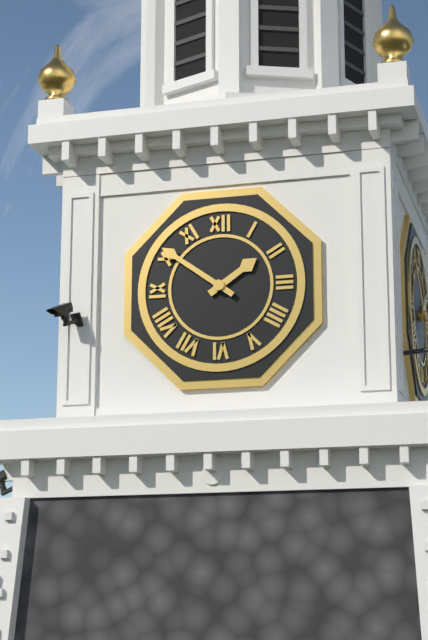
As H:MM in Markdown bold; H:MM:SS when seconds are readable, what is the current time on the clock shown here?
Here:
**1:51**
